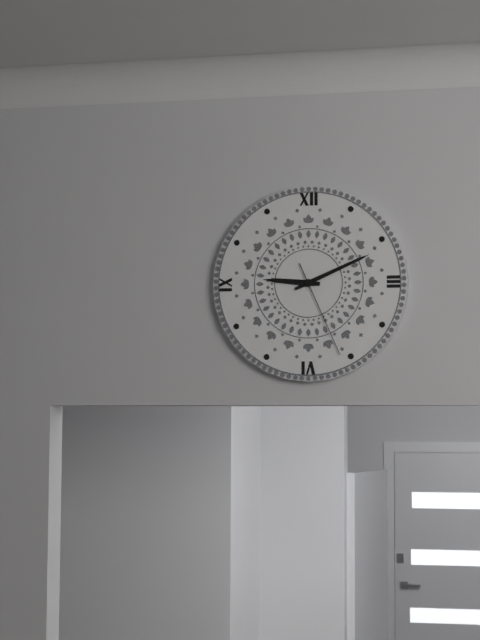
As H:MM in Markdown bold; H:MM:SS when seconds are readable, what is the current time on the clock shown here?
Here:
**9:11:26**
